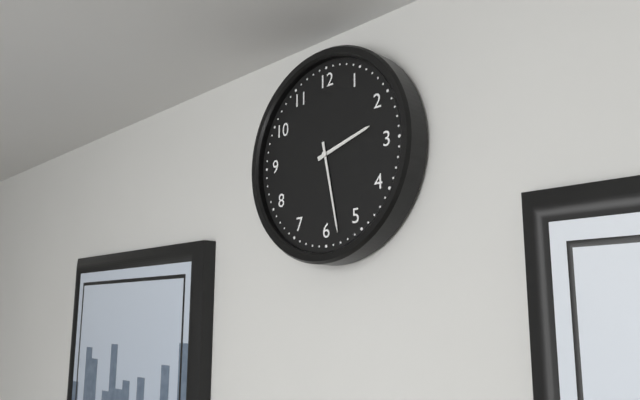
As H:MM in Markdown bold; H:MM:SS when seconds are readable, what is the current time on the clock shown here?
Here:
**2:28**
